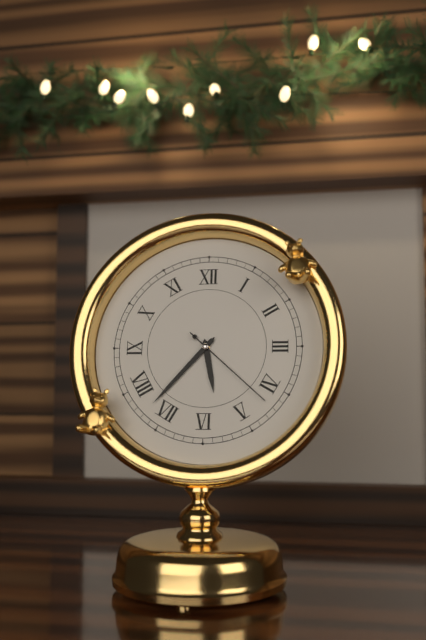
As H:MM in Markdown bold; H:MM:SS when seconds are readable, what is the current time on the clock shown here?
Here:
**5:37:22**
